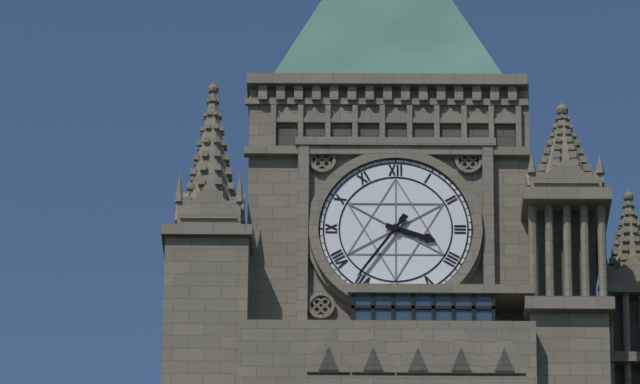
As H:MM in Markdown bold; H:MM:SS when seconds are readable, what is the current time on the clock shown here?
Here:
**3:36**
